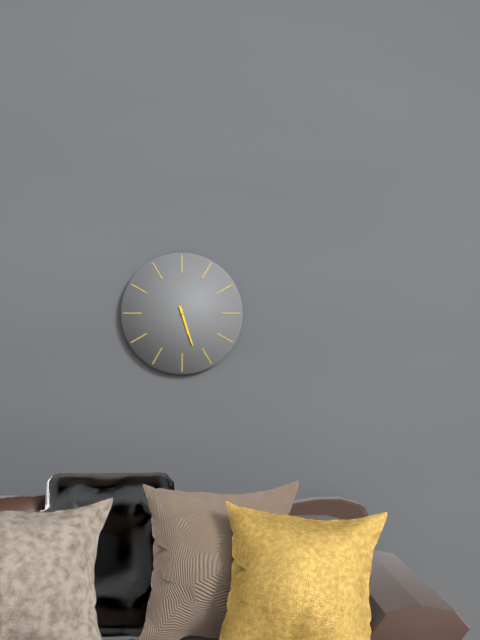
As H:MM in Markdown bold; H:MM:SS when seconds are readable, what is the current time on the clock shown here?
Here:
**5:27**
